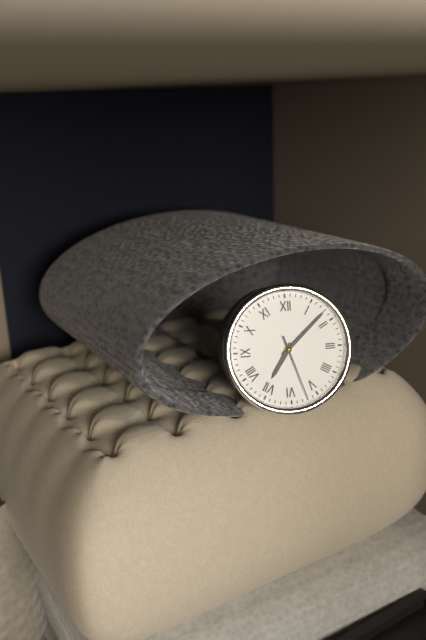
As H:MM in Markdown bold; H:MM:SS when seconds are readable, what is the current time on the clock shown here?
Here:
**7:08:27**
